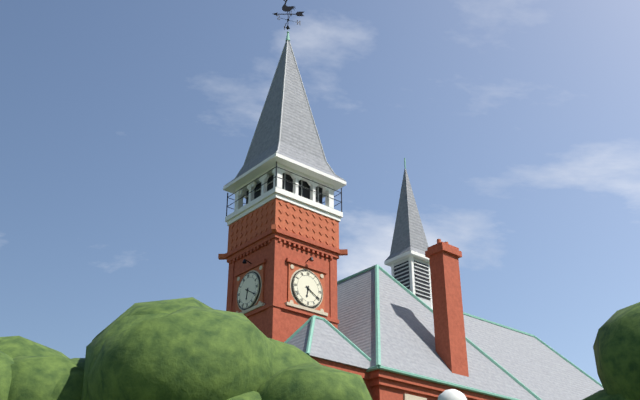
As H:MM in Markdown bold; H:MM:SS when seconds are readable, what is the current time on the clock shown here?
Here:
**6:20**
